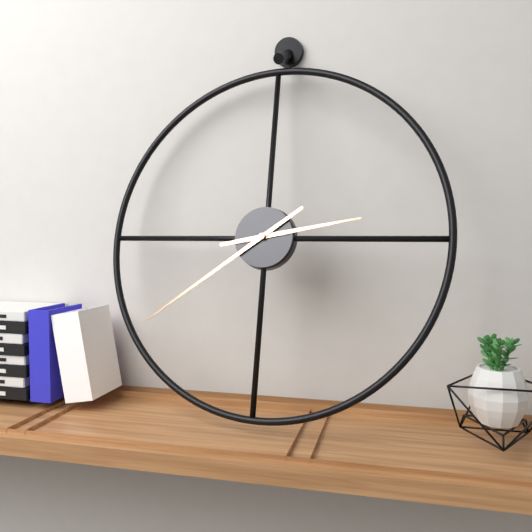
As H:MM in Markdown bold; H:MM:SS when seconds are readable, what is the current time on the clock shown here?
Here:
**2:39**
